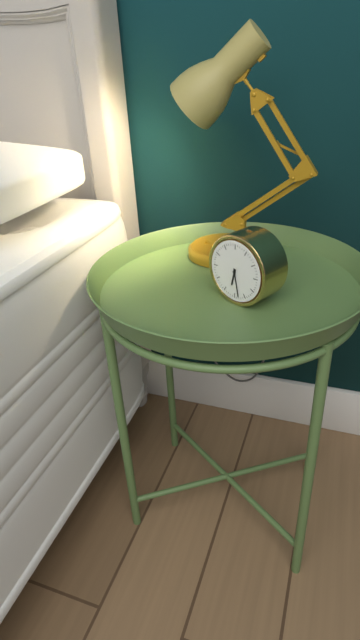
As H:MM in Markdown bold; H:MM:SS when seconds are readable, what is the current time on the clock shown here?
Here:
**6:28**
